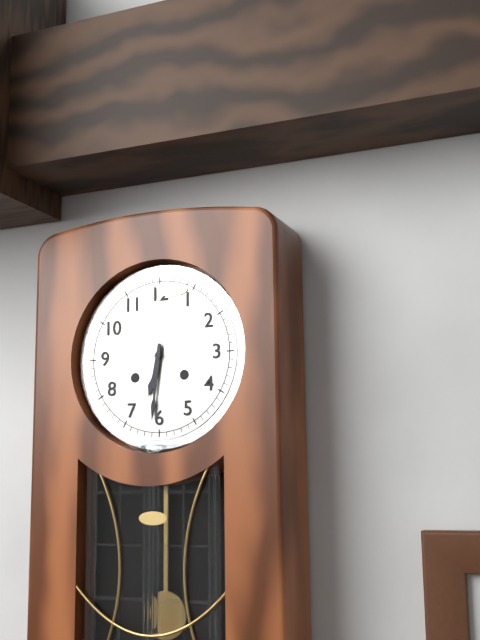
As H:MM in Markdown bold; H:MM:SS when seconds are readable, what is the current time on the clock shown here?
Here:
**6:31**
